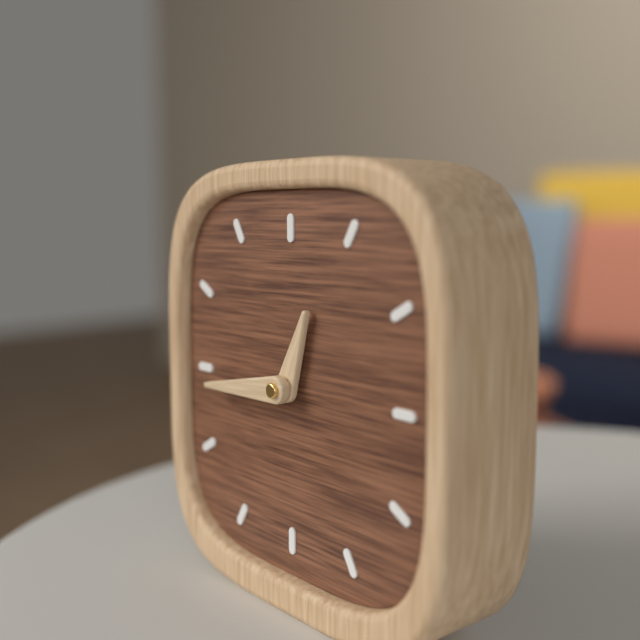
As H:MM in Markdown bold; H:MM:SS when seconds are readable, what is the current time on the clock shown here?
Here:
**12:44**
